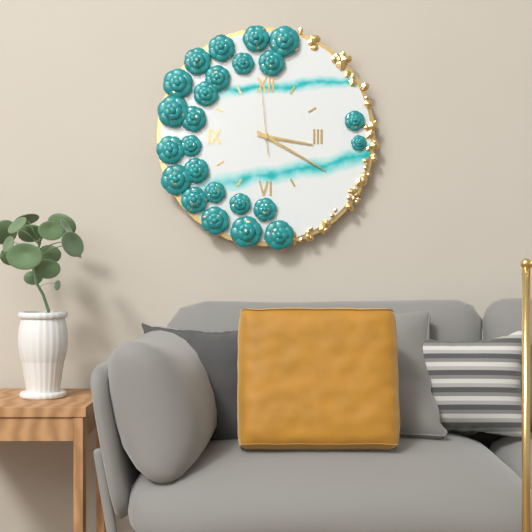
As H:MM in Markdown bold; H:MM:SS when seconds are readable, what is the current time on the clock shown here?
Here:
**3:20:59**
